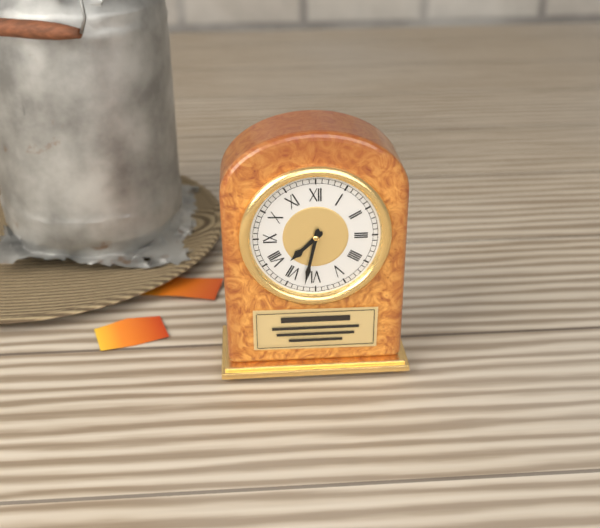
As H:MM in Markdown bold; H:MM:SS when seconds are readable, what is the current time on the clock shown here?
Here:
**7:32**
